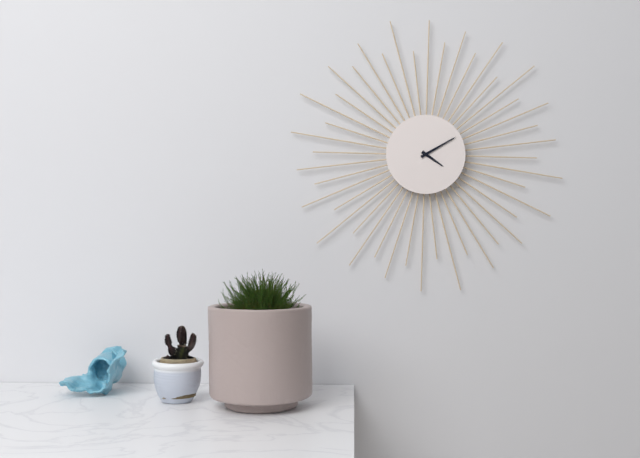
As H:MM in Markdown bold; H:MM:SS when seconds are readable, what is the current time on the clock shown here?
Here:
**4:10**
